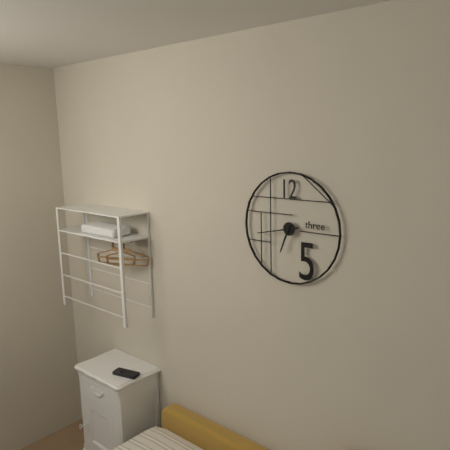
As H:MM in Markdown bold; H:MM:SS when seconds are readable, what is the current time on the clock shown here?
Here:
**6:43**
